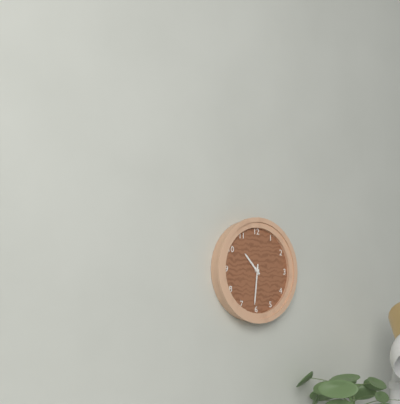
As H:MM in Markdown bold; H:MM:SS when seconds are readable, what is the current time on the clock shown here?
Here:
**10:31**
